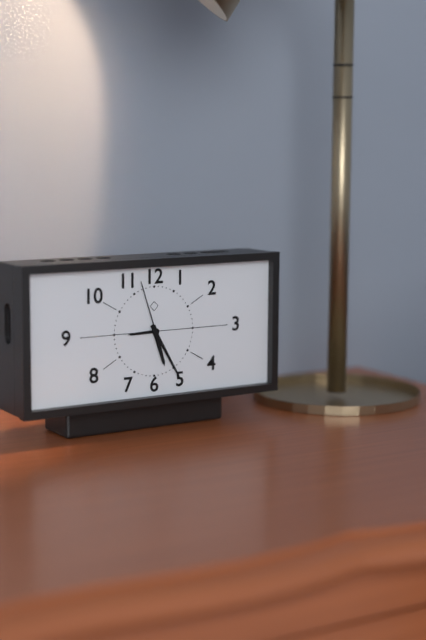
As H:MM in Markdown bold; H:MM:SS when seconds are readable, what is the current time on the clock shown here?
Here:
**5:25:57**
